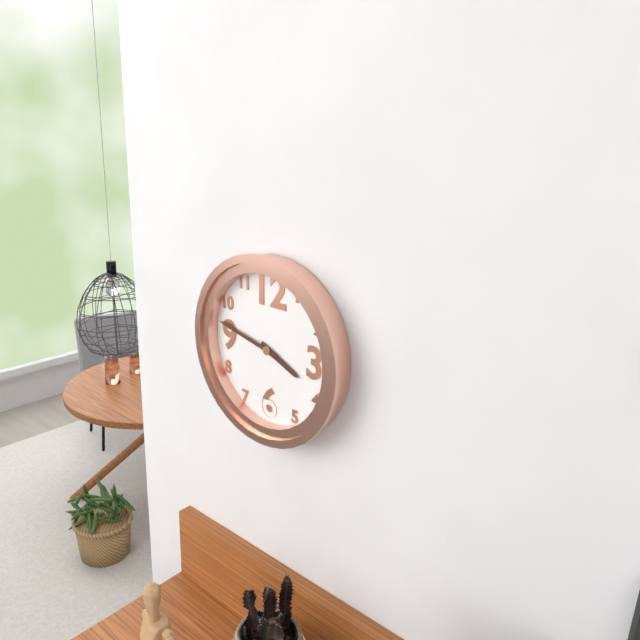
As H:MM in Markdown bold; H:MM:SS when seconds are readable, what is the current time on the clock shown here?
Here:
**3:47**
